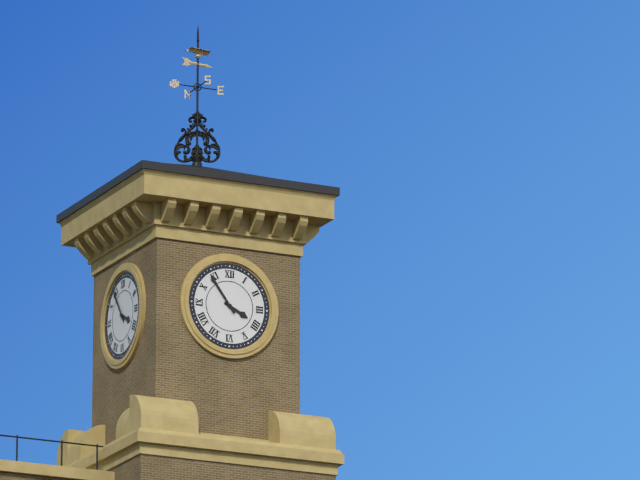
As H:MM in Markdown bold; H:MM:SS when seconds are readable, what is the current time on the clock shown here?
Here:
**3:54**
